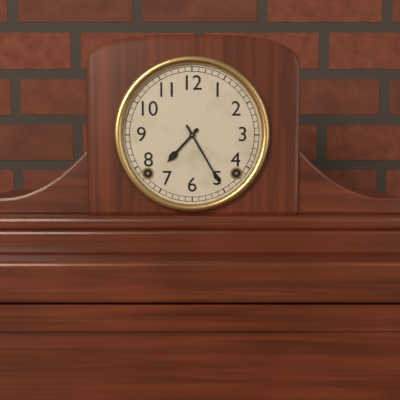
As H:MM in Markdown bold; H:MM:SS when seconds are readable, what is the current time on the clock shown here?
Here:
**7:25**
